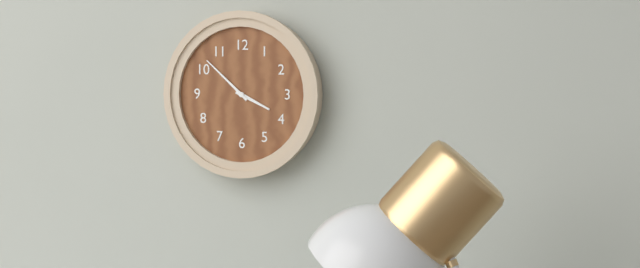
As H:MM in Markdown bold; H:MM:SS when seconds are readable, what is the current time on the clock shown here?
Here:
**3:52**
